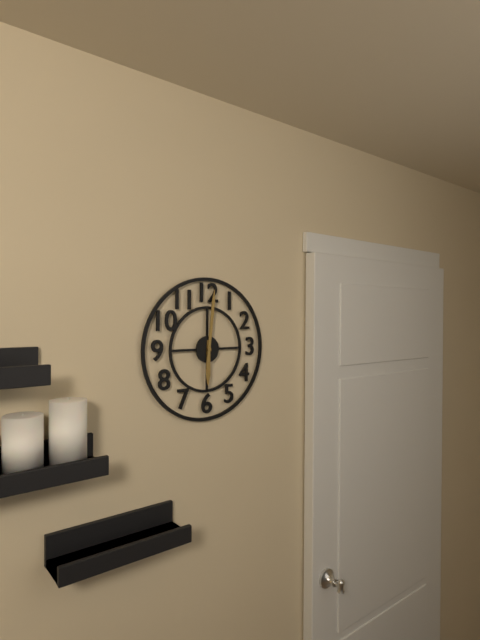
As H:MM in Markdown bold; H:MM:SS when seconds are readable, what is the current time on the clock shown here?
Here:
**6:01**
